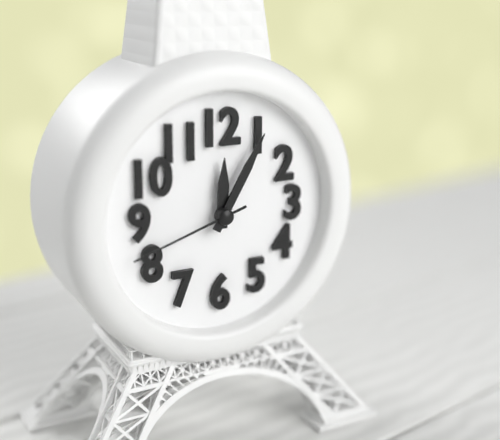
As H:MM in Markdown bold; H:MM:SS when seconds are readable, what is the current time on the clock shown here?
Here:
**12:05:42**
